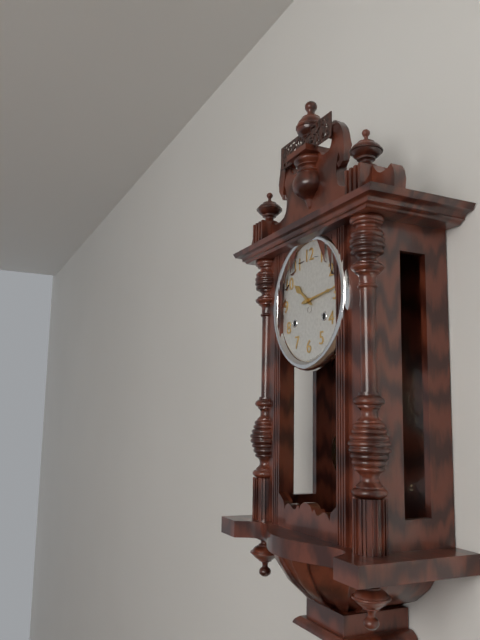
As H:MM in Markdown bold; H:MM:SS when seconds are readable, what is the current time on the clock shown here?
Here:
**10:14**
